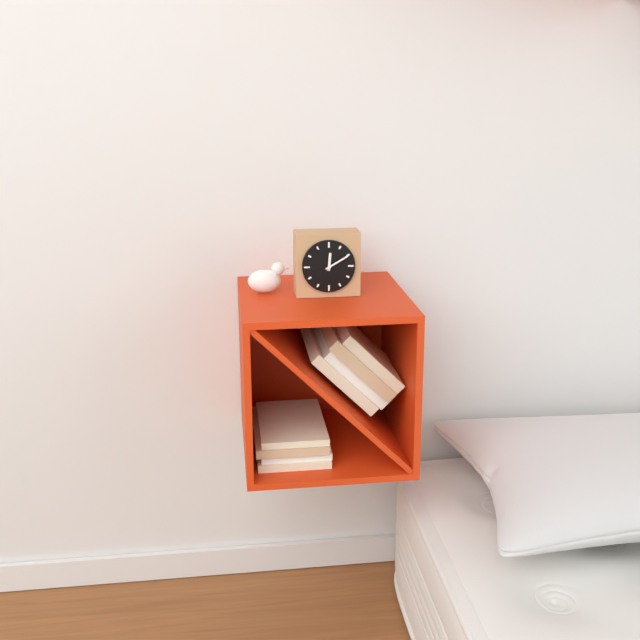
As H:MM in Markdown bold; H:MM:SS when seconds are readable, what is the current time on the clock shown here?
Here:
**12:10**
